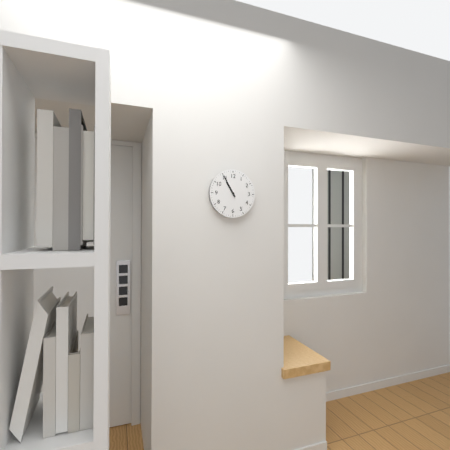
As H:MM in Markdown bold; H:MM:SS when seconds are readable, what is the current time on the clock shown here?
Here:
**10:55**
